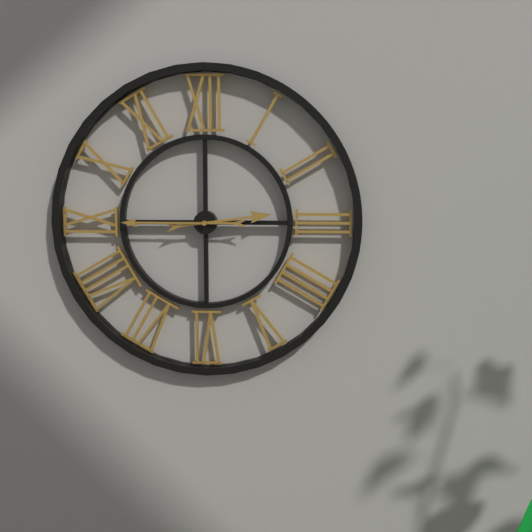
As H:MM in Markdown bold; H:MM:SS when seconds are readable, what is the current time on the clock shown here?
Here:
**2:45**
